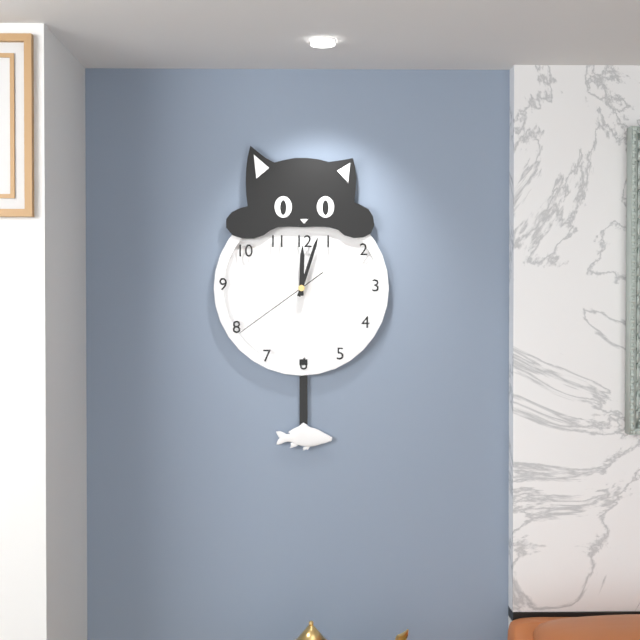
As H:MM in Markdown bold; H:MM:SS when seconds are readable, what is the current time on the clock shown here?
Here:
**12:03:39**
